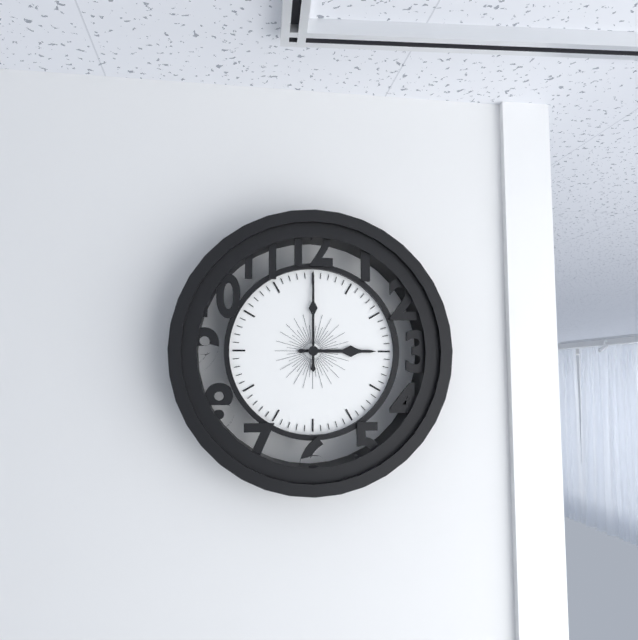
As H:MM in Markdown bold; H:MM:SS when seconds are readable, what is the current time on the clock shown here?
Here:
**3:00**
